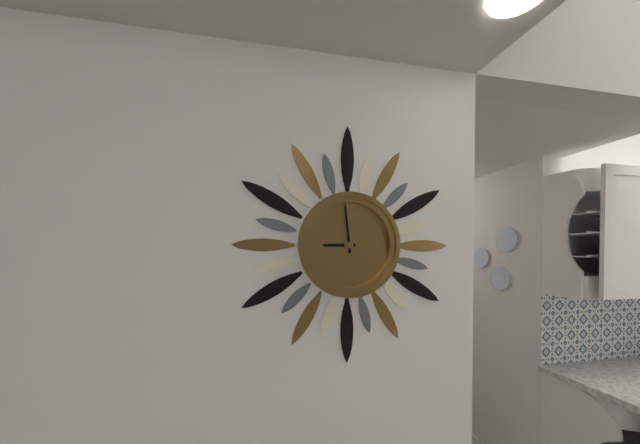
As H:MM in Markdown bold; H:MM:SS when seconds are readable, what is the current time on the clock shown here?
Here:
**8:59**
